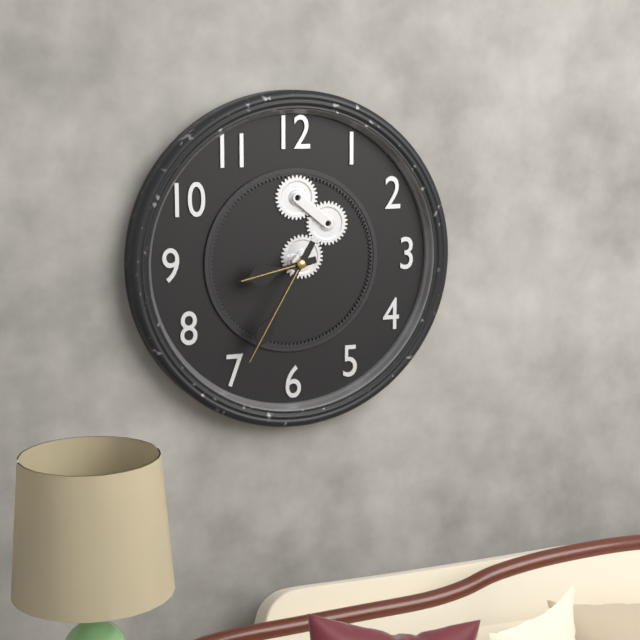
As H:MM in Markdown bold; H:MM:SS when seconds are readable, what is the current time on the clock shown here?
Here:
**8:35**
